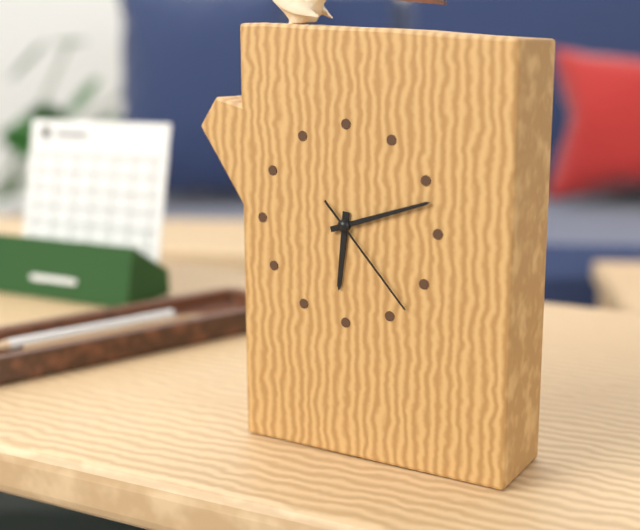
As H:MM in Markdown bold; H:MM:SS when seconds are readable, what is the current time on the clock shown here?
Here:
**6:12:23**
